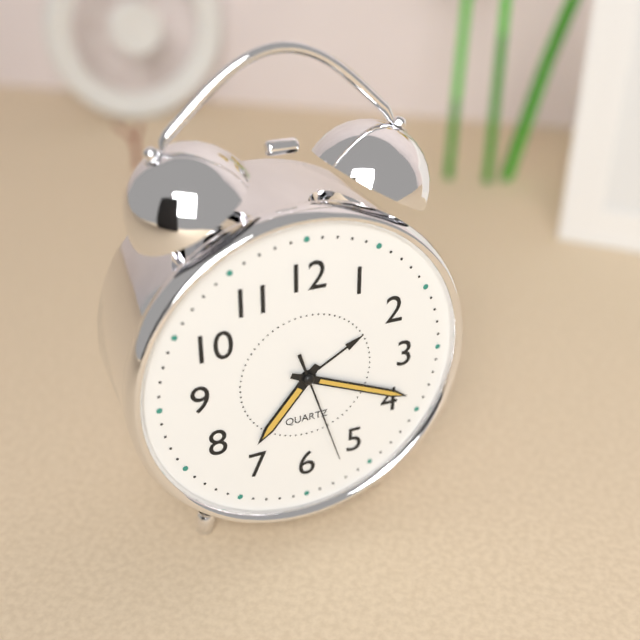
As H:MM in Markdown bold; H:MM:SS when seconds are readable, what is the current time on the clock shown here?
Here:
**7:19:27**
